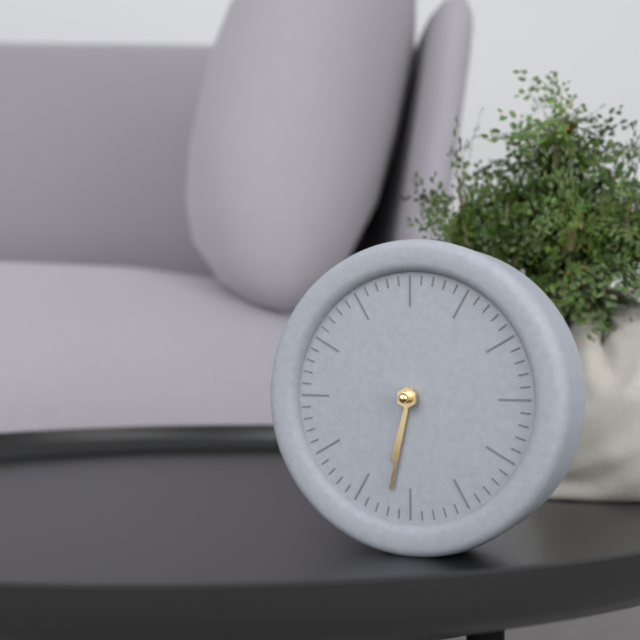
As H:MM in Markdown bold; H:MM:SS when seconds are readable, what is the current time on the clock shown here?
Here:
**6:32**
